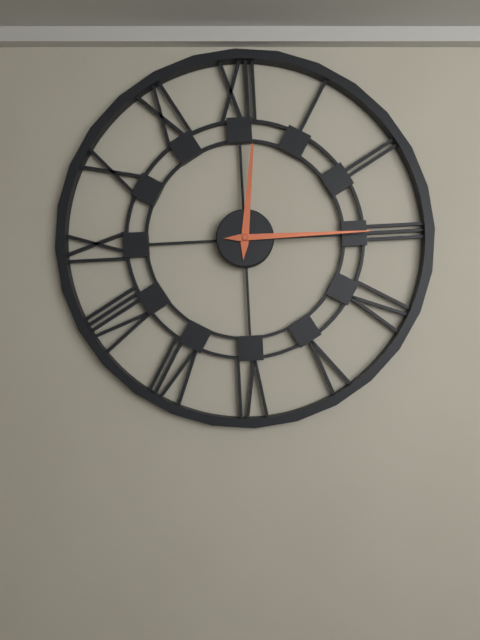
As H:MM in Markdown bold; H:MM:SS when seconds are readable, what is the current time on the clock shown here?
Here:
**12:15**
